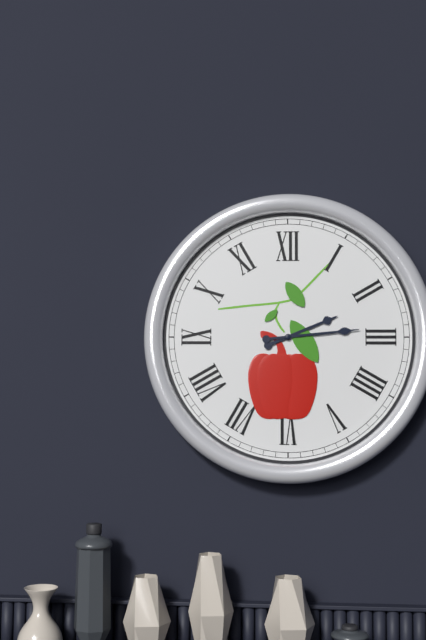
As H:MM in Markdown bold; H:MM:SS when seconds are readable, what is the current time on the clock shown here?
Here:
**2:14**
